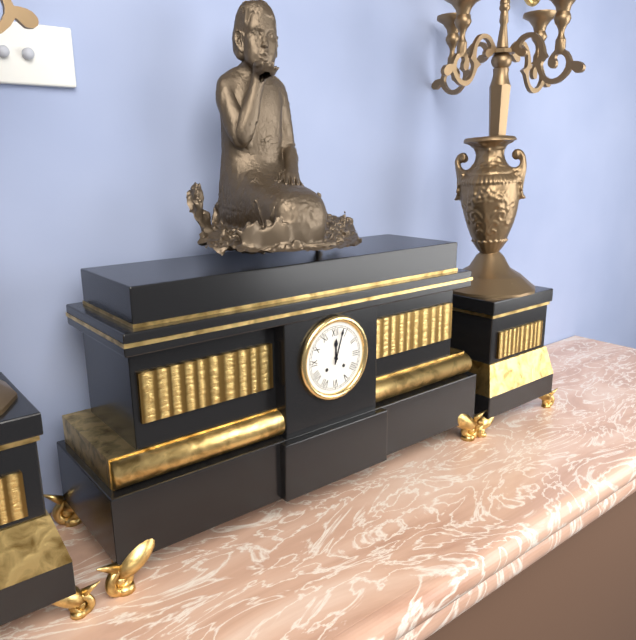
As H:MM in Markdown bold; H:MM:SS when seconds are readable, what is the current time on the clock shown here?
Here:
**12:03**
